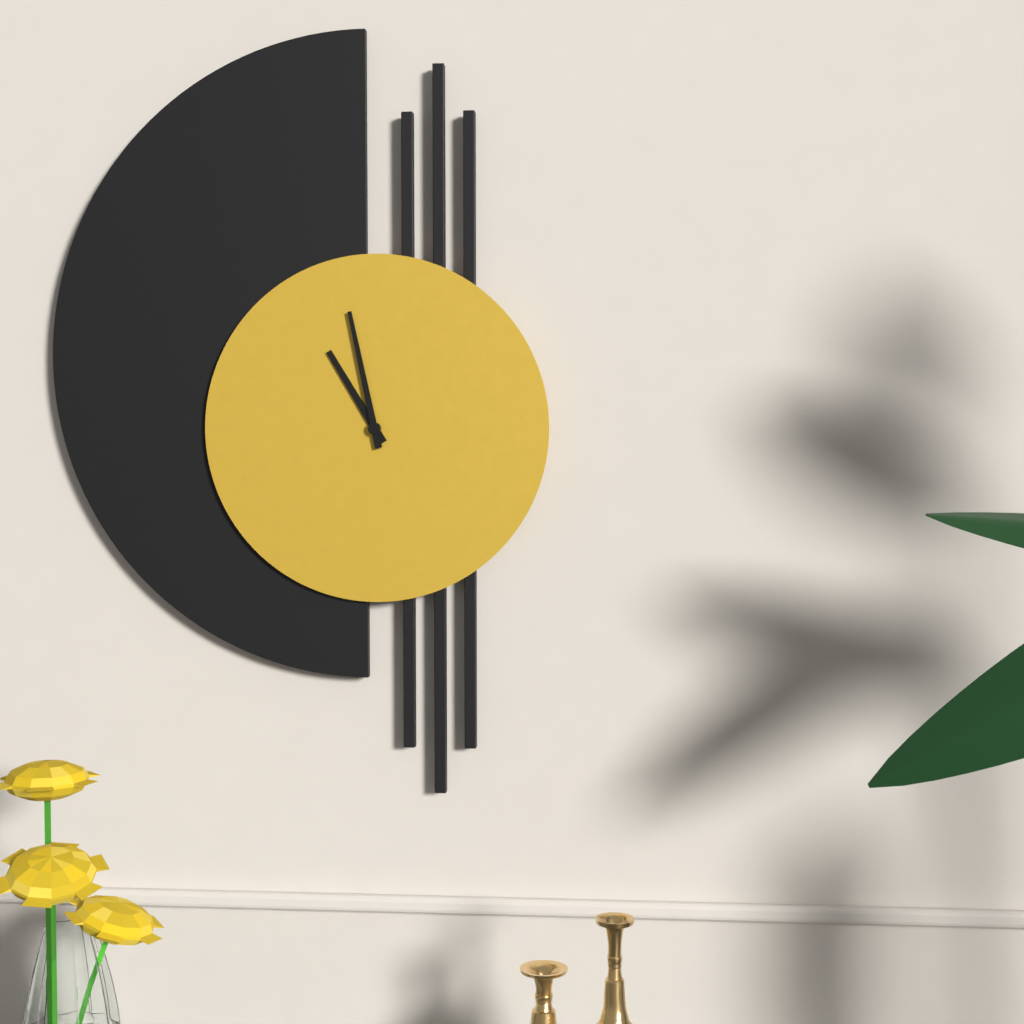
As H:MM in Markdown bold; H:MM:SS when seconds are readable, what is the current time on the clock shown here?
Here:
**10:58**
